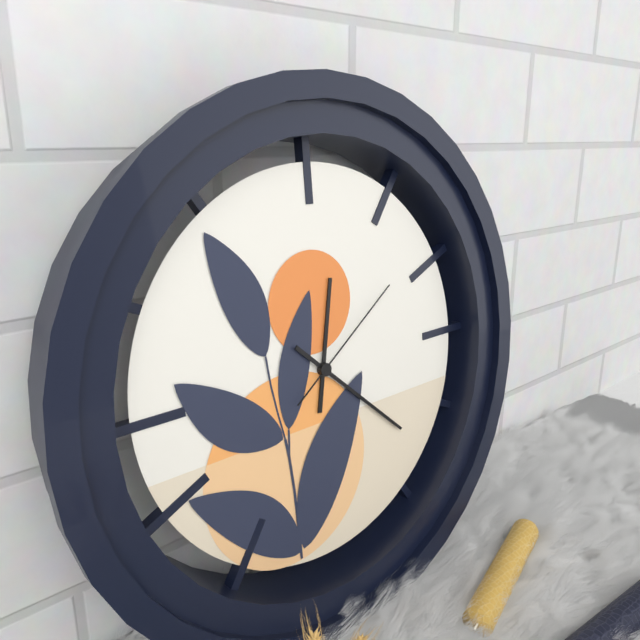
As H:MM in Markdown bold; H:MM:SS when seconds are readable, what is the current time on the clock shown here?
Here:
**12:22:09**
